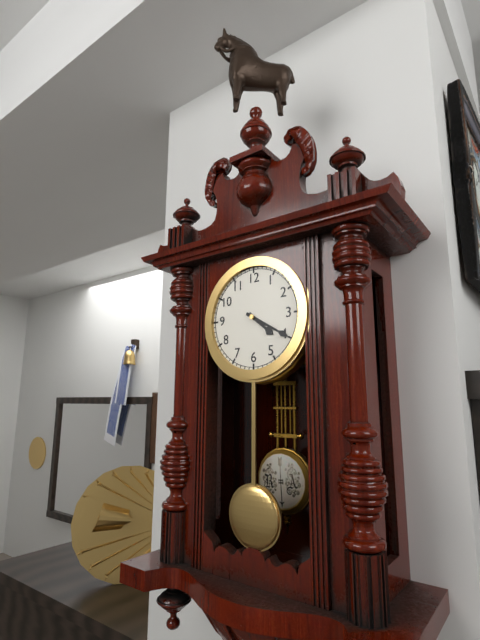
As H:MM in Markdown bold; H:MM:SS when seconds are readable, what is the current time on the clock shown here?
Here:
**4:20**
